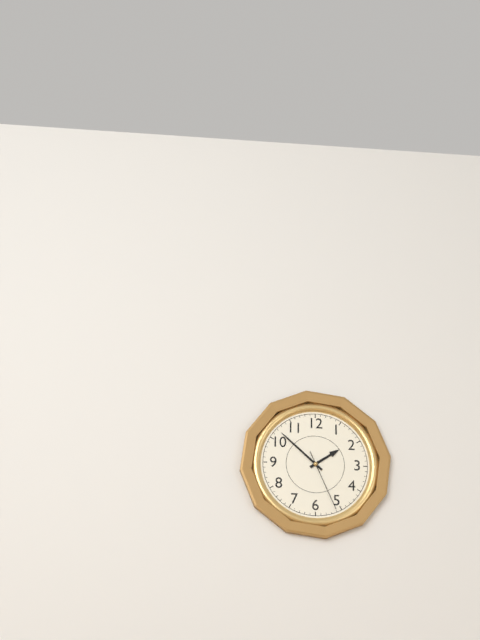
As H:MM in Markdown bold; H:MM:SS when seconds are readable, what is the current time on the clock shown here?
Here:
**1:52:26**
